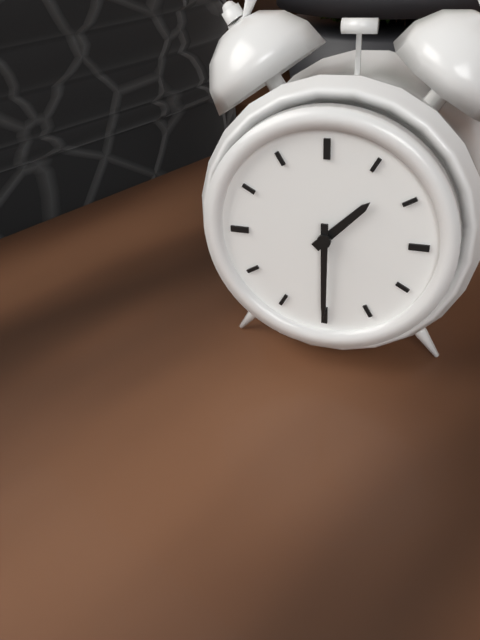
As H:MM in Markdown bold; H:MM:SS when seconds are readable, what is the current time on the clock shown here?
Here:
**1:30**
